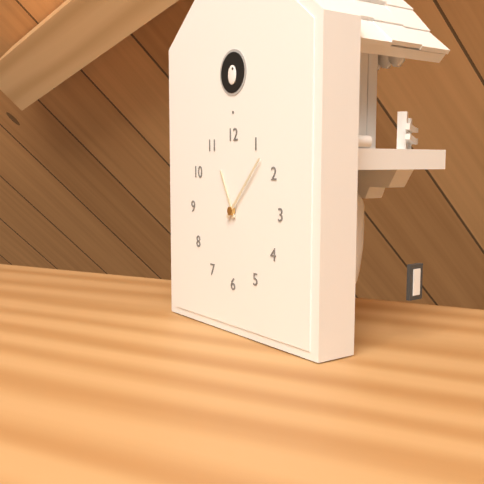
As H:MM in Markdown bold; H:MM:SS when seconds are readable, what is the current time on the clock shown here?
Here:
**11:07**
